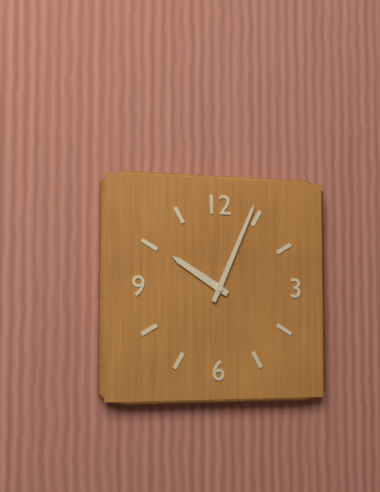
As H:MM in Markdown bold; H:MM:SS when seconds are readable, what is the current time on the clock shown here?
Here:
**10:04**
